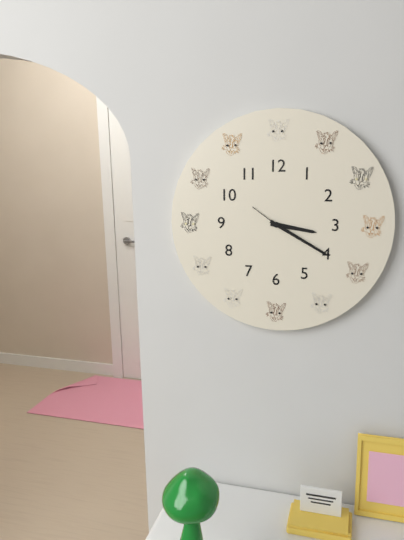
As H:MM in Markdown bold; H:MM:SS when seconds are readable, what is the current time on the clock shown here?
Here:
**3:20**
